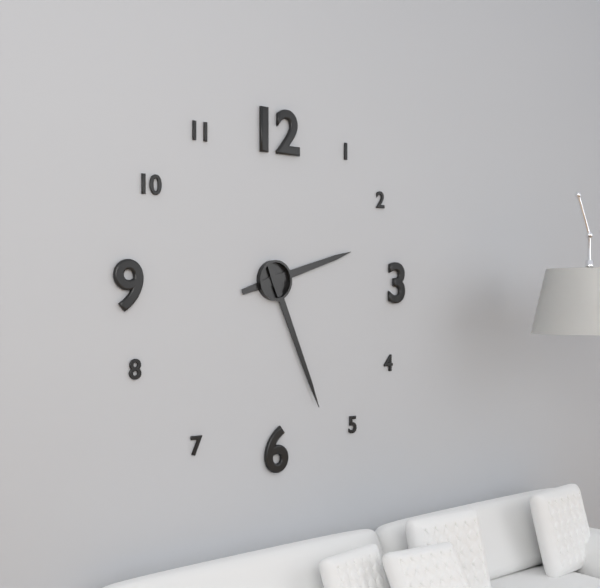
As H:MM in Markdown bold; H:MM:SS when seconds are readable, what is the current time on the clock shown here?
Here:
**2:26**
